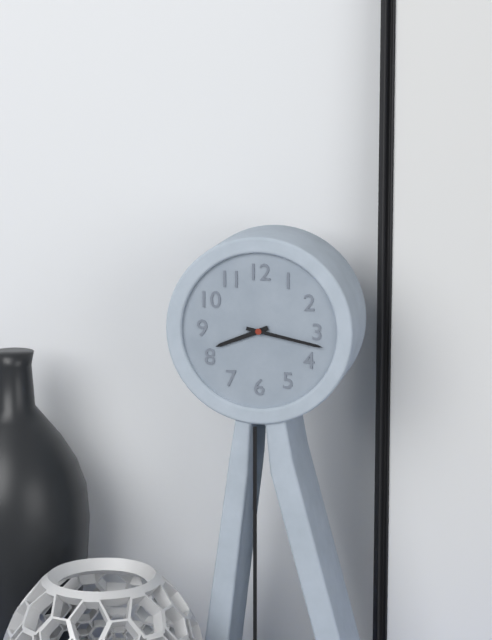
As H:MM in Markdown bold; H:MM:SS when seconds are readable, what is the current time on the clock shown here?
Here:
**8:17**
